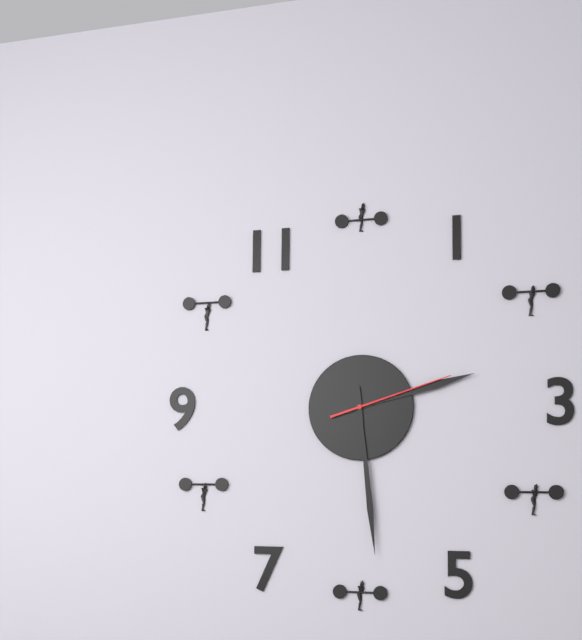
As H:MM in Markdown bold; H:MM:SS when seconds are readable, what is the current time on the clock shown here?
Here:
**2:29:12**
